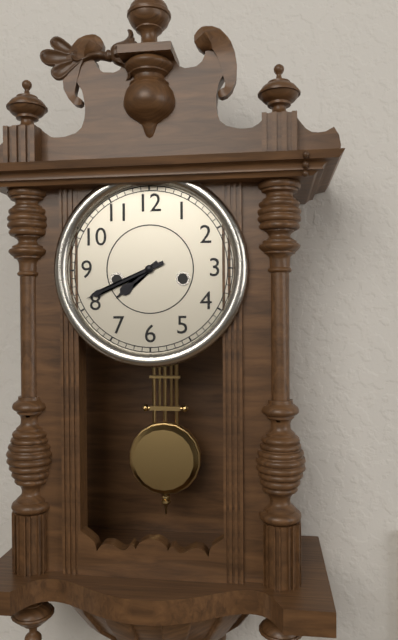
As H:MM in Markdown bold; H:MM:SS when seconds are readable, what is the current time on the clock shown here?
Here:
**7:41**
